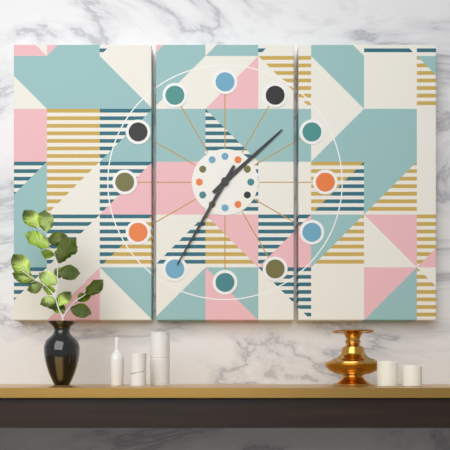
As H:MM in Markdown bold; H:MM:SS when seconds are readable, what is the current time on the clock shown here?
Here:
**1:35**
